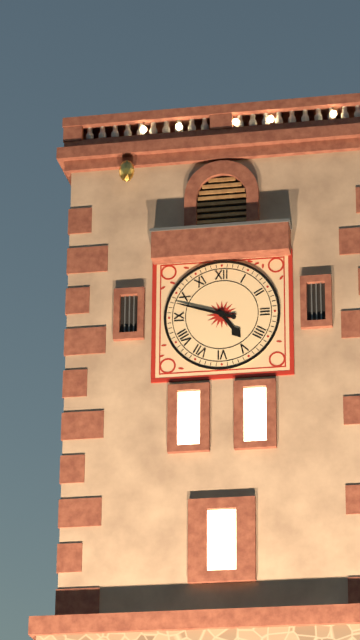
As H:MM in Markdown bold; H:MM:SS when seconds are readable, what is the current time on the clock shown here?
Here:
**4:48**
